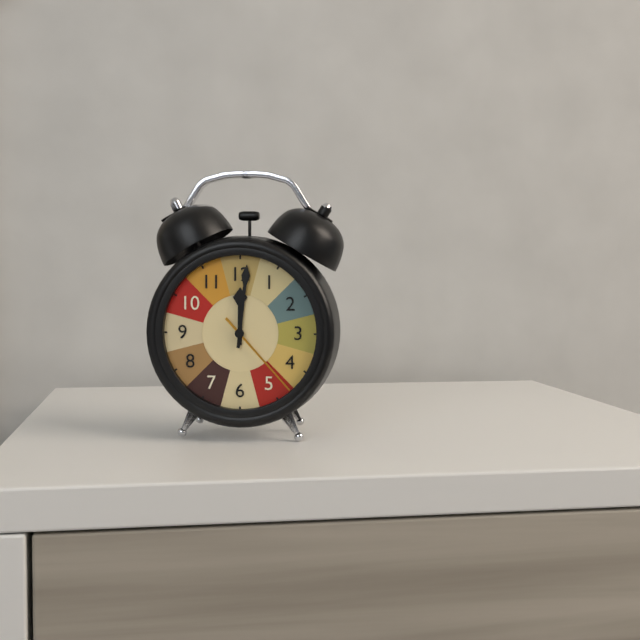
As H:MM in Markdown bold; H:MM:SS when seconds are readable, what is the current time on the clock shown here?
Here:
**12:01:23**
